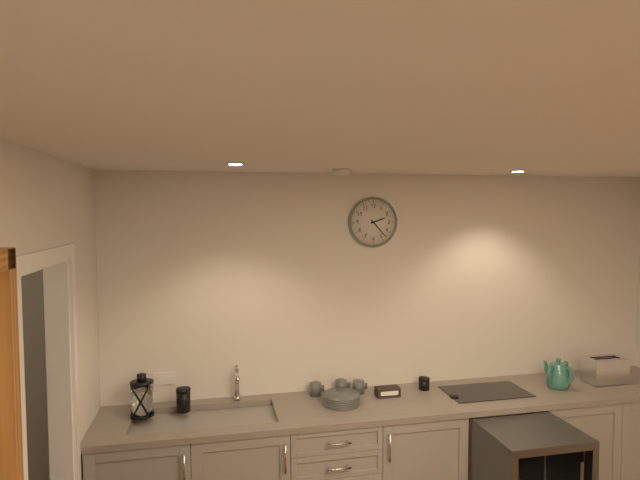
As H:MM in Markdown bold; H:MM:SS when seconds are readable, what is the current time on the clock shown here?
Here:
**2:23**
